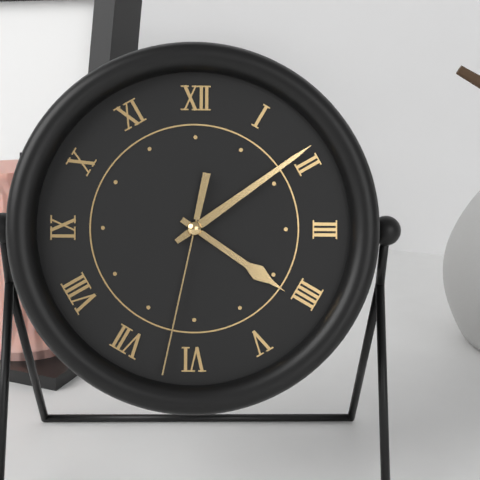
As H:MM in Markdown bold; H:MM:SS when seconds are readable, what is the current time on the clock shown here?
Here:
**4:09:32**
